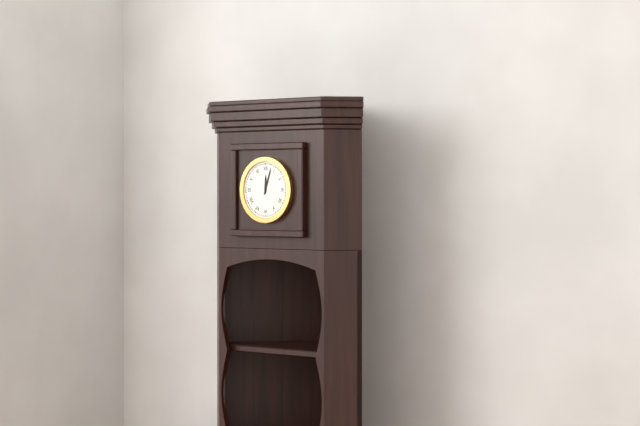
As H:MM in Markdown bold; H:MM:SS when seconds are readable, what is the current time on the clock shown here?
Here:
**12:03**
